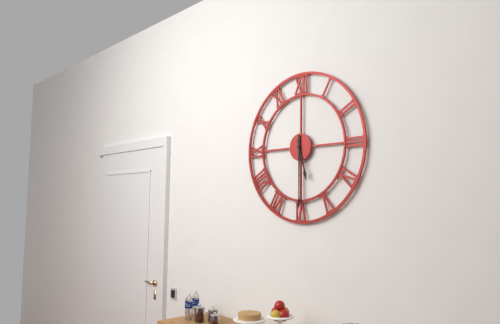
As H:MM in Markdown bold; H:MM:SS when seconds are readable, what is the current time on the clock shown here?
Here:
**5:30**
